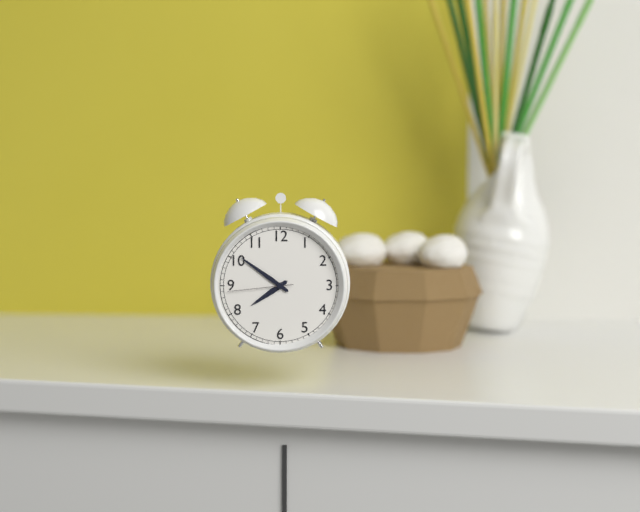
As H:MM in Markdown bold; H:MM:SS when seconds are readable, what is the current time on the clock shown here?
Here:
**7:51:44**
